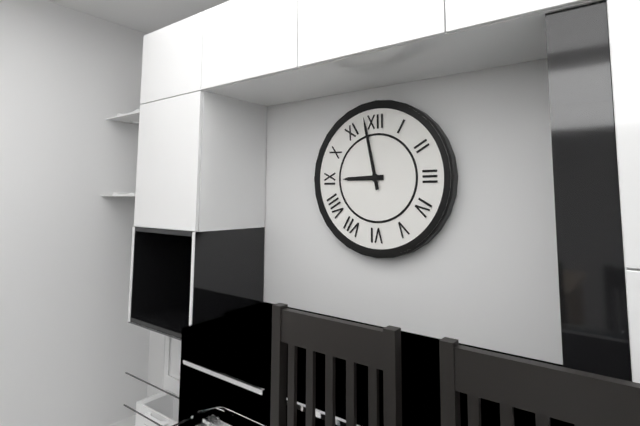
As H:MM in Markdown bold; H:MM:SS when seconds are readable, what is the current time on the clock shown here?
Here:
**8:58**
